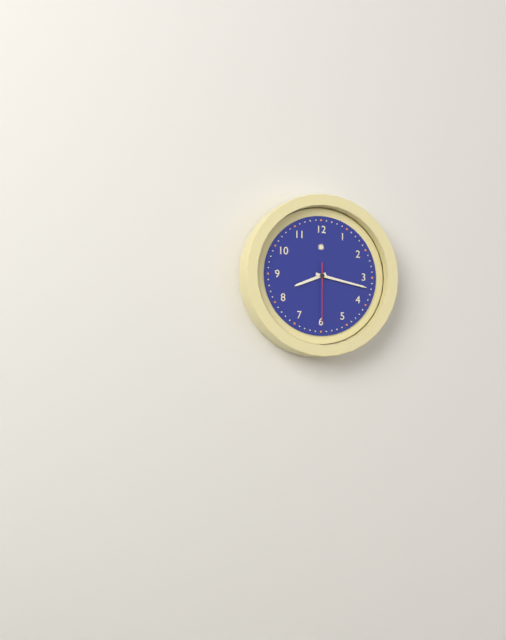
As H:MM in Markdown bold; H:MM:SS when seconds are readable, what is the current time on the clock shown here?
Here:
**8:17:30**
